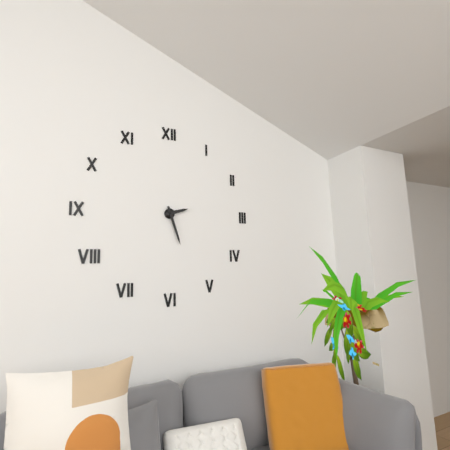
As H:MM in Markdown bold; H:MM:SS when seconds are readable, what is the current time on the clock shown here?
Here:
**2:27**
